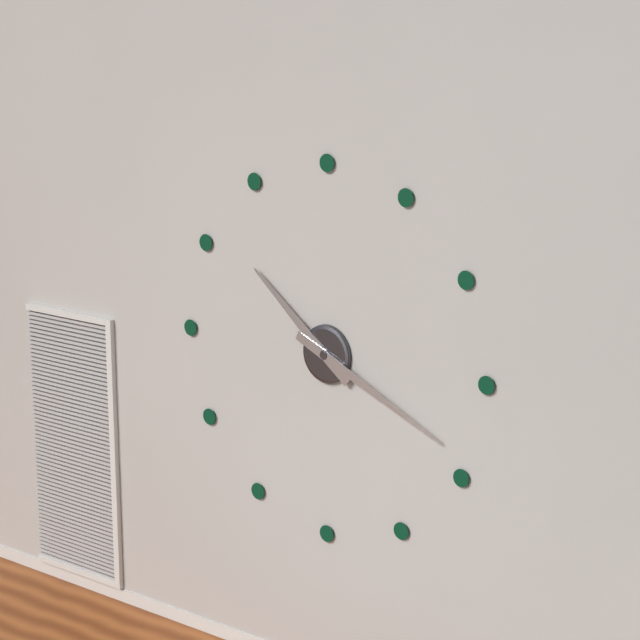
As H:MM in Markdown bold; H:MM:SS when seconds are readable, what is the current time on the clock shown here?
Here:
**10:19**
